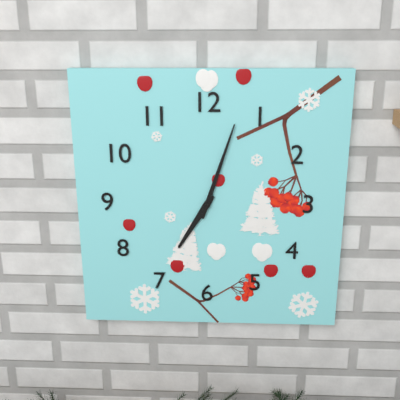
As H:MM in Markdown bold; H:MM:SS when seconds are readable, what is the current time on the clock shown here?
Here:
**7:03**
